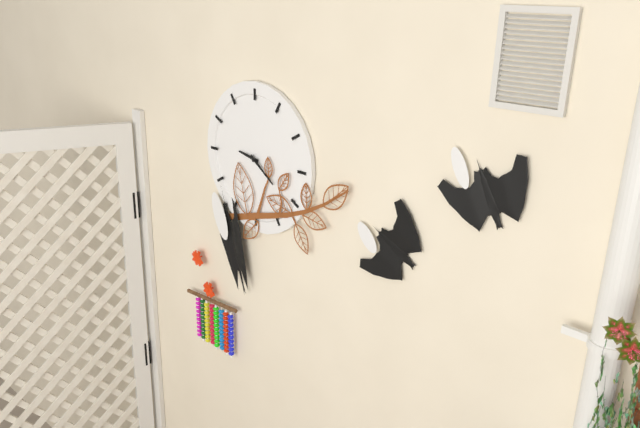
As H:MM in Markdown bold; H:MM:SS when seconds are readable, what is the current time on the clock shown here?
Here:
**9:21**
